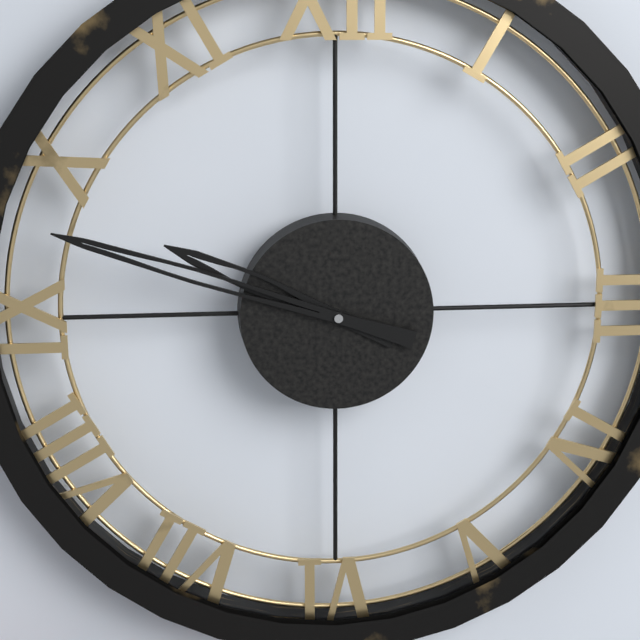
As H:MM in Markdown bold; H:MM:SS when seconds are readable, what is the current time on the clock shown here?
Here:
**9:48**
